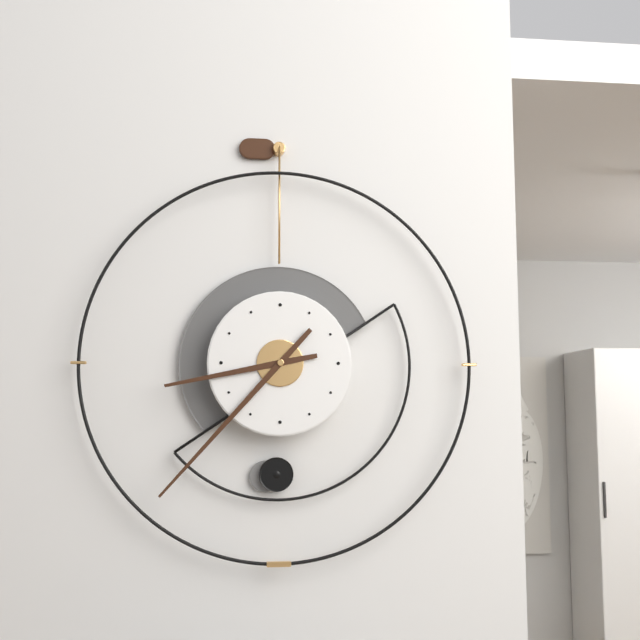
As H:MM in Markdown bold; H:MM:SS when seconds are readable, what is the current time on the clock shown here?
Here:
**8:37**
